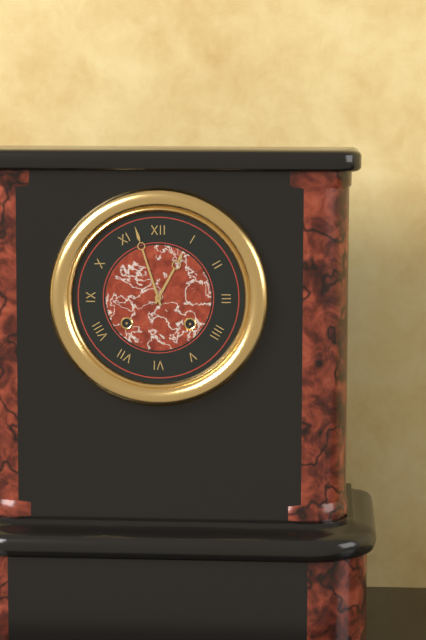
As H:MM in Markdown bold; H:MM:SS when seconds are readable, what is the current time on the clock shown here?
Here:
**12:57**
